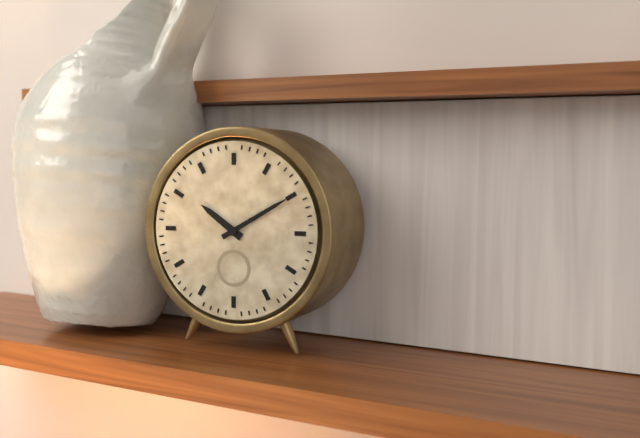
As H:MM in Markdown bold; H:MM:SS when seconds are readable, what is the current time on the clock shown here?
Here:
**10:10**
